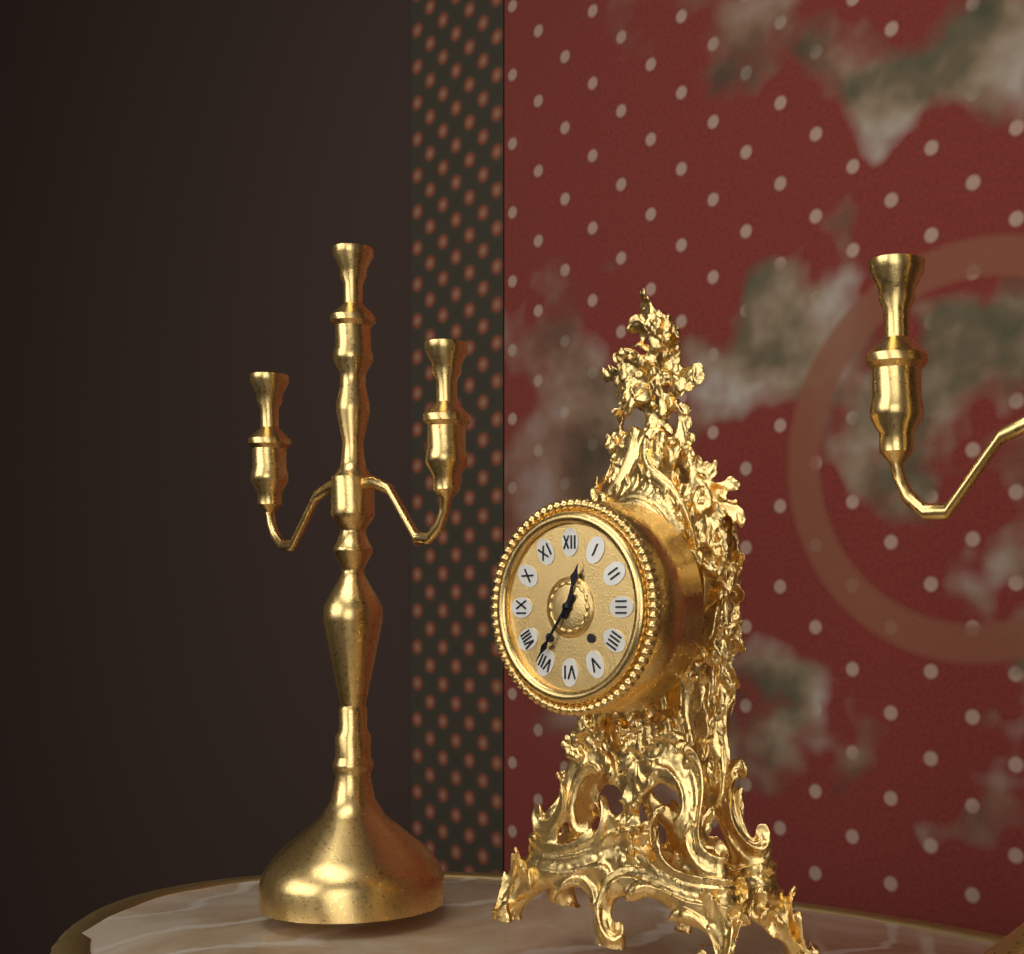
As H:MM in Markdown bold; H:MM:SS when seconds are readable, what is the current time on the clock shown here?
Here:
**12:36**
